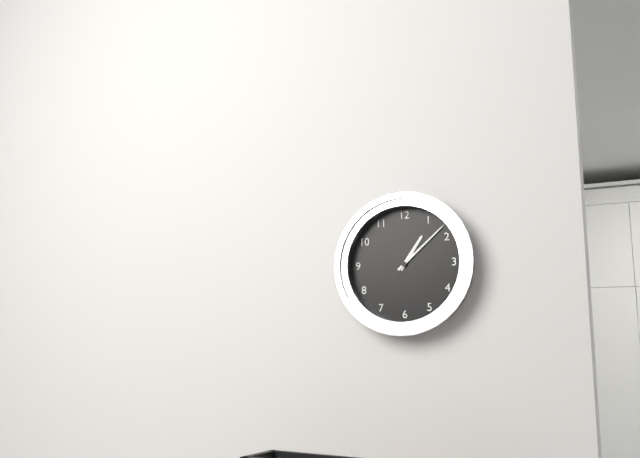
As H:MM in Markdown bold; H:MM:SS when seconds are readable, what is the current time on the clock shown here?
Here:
**1:08**
